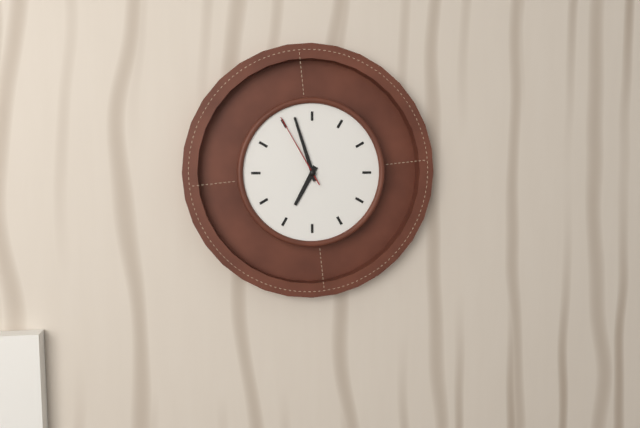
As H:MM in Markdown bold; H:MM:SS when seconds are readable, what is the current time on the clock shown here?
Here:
**6:57:55**
